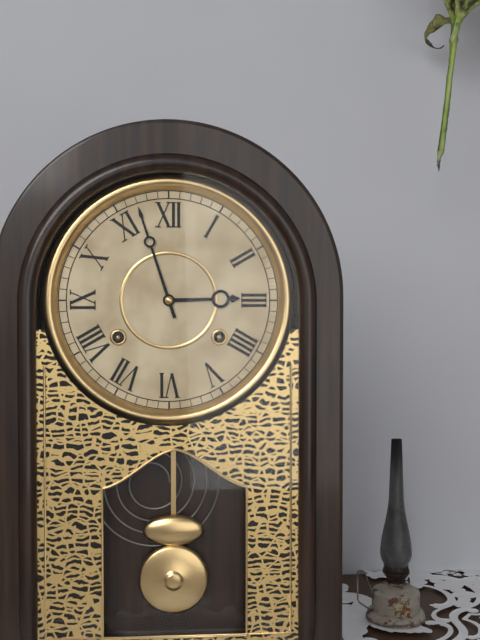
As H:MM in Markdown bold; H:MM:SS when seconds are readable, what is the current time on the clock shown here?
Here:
**2:57**
